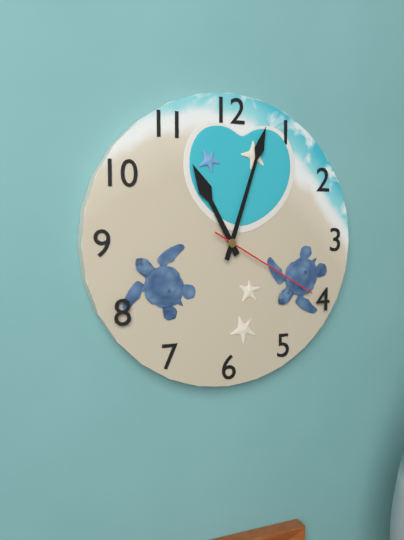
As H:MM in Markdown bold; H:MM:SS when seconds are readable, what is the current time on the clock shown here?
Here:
**11:03:20**
